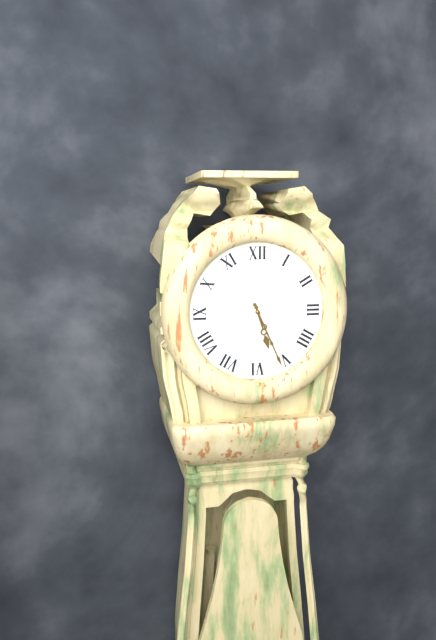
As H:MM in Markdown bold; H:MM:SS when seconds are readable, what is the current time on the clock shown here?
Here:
**5:26**
